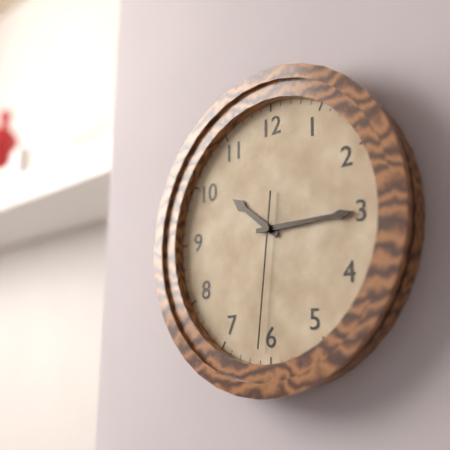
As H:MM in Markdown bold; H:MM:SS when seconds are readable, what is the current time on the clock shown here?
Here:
**10:15:31**
